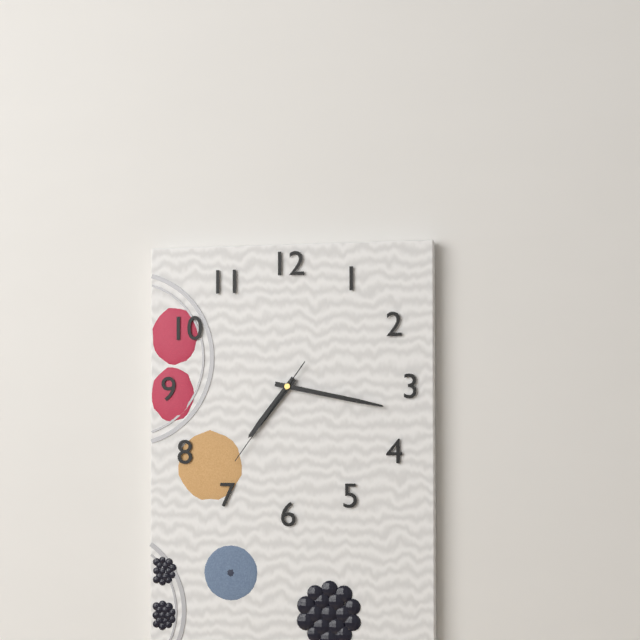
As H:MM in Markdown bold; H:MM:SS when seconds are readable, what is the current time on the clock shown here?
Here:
**7:17:36**
